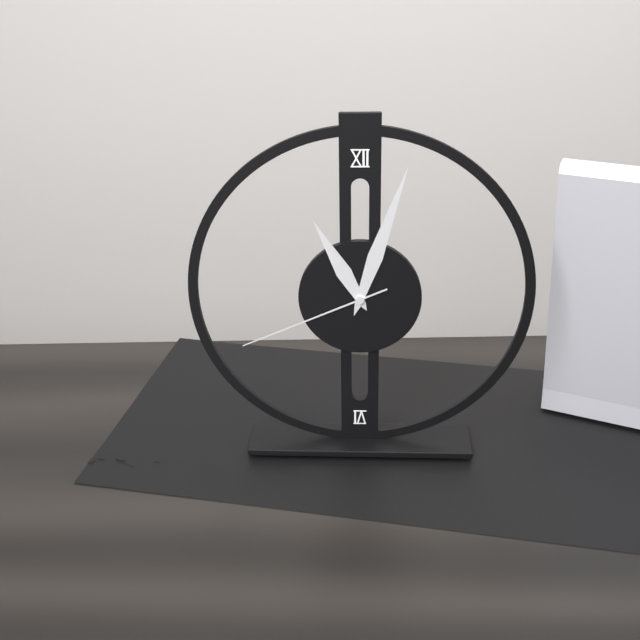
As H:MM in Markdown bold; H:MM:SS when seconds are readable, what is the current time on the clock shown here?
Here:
**11:03:41**
